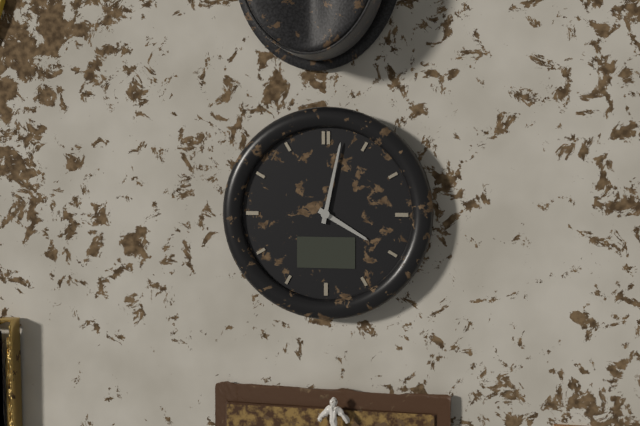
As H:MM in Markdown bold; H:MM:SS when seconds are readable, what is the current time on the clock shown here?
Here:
**4:02**
